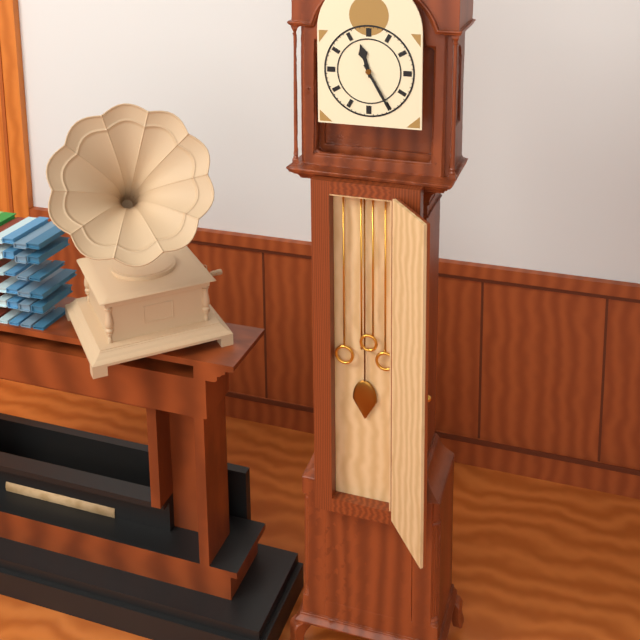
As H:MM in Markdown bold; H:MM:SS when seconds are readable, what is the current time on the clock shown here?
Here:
**11:25**
